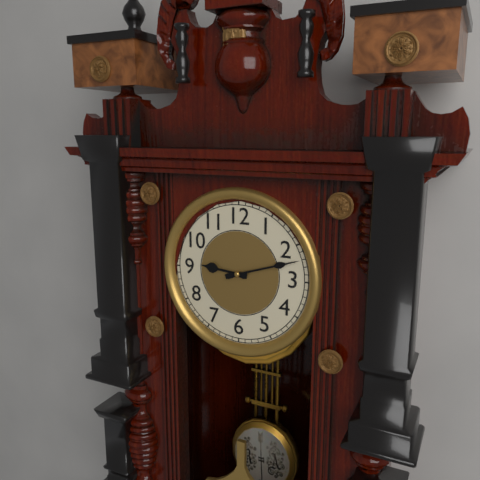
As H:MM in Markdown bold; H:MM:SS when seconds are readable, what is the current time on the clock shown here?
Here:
**9:12**
